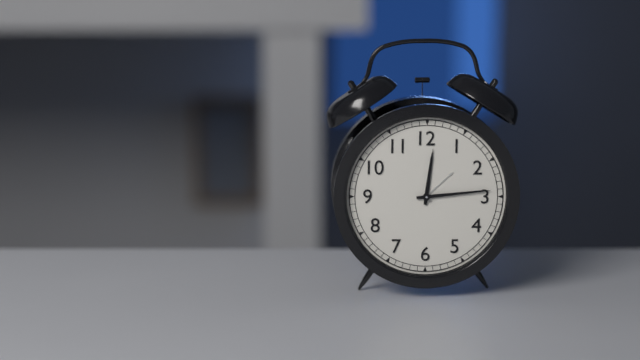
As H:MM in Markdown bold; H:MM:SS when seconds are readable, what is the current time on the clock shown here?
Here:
**12:14**
